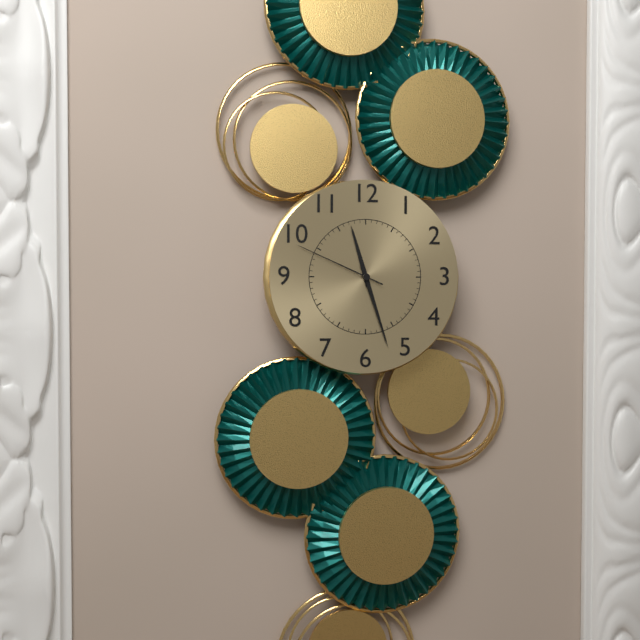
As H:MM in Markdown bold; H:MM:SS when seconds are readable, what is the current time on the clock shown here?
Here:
**11:27:49**
